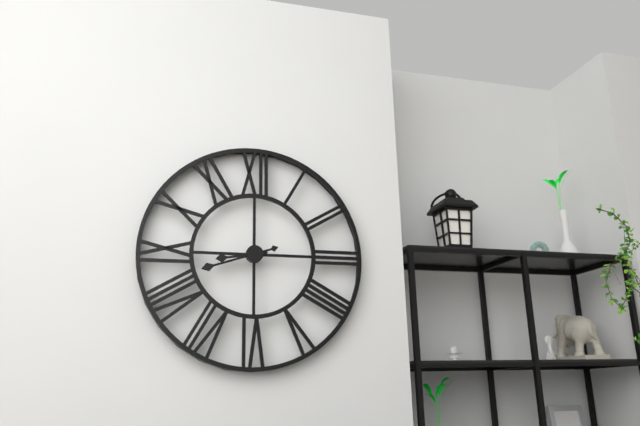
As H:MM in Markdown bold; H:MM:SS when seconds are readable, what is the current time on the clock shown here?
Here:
**8:42**
